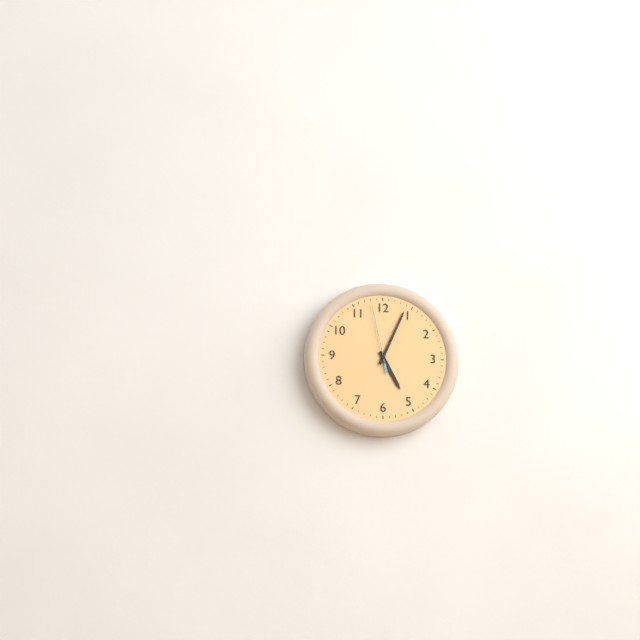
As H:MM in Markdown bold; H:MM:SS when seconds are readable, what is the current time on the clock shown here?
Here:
**5:04:58**
